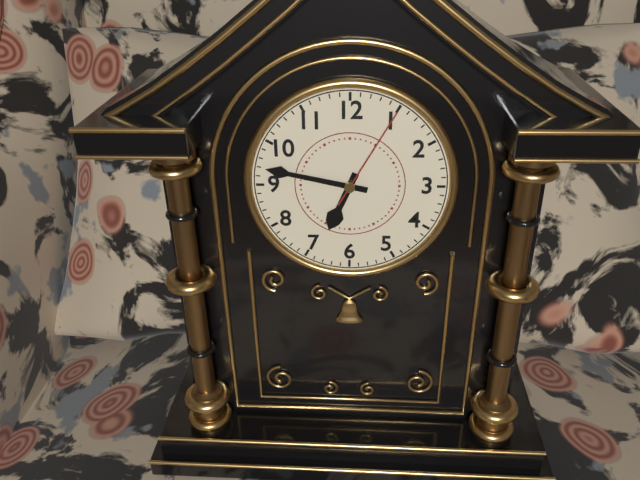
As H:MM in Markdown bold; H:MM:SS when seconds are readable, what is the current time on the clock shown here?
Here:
**6:47:05**
